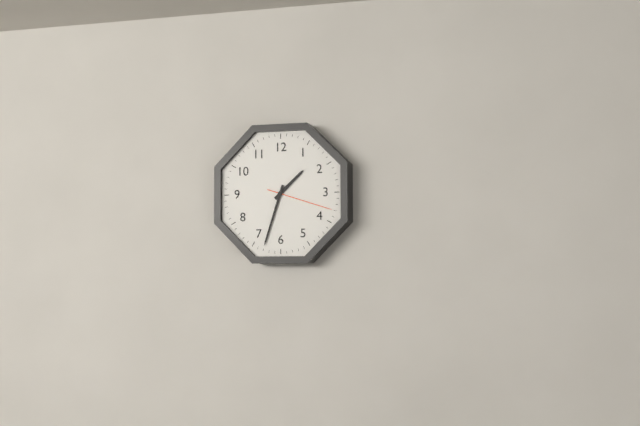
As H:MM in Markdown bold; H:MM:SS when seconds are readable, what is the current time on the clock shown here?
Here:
**1:33:18**
